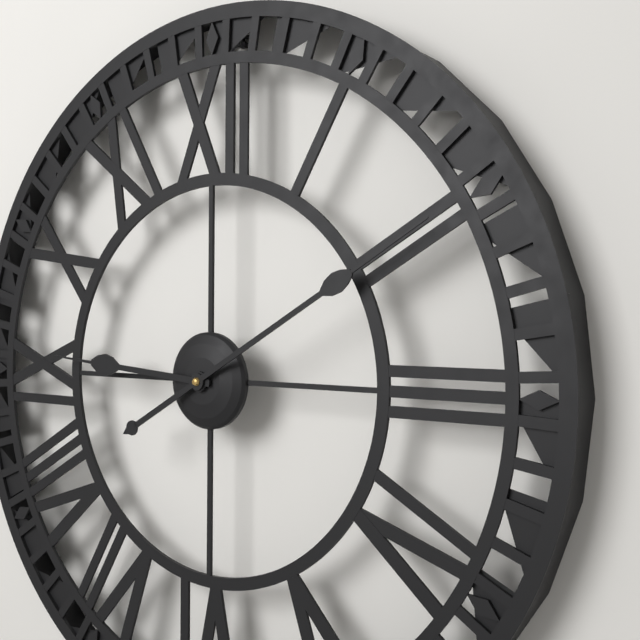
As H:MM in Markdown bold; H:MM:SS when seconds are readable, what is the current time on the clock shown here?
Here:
**9:10**
